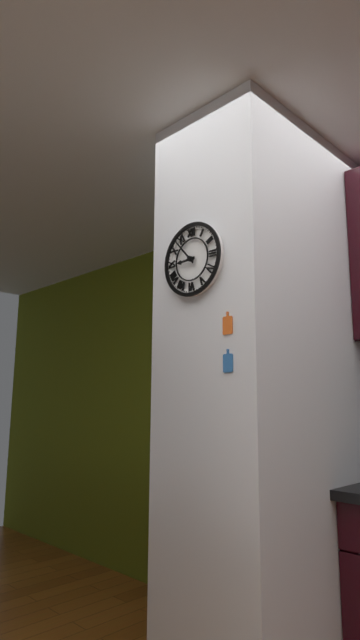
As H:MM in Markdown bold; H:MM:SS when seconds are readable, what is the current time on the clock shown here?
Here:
**8:53**
